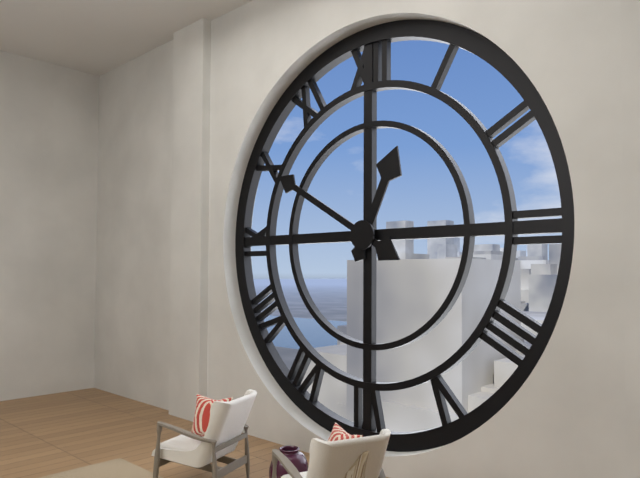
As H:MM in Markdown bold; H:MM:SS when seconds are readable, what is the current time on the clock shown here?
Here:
**12:50**
